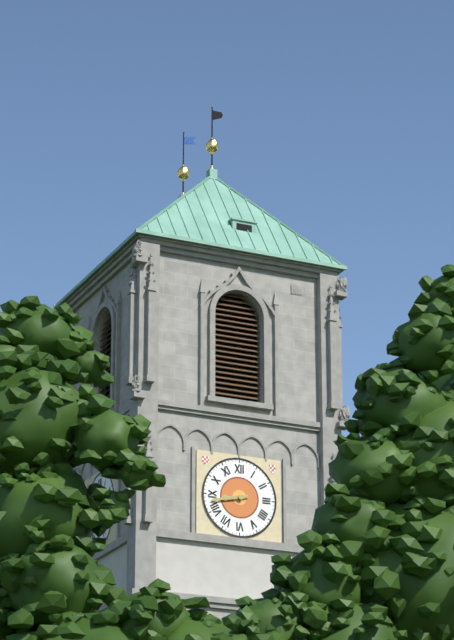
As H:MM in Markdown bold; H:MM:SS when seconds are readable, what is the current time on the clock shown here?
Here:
**8:43**
